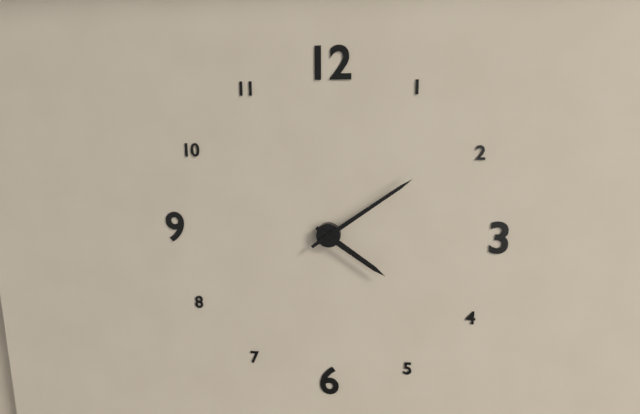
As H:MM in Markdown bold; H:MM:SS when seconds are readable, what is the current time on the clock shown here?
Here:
**4:09**
